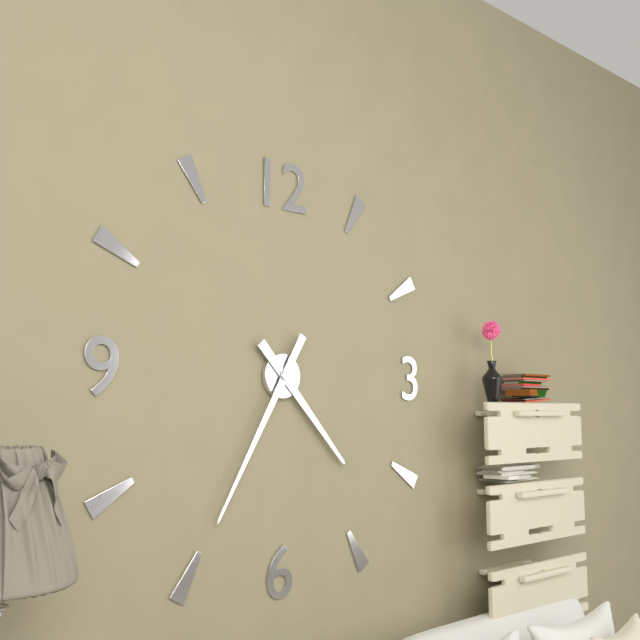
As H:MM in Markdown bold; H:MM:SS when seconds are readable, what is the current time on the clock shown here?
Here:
**4:35**
